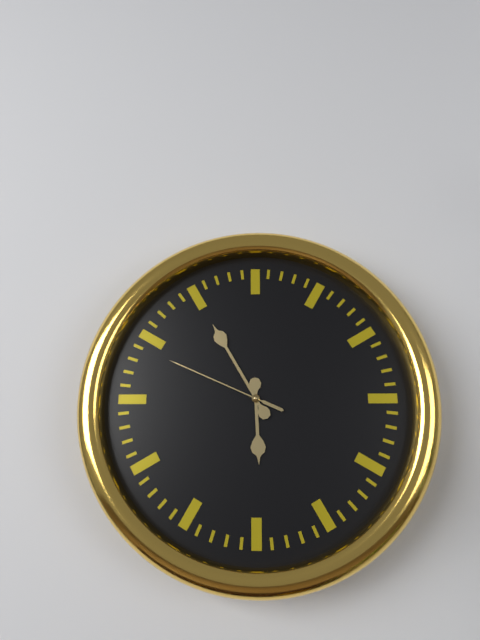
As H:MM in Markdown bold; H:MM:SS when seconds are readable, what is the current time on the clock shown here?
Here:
**5:55:49**
